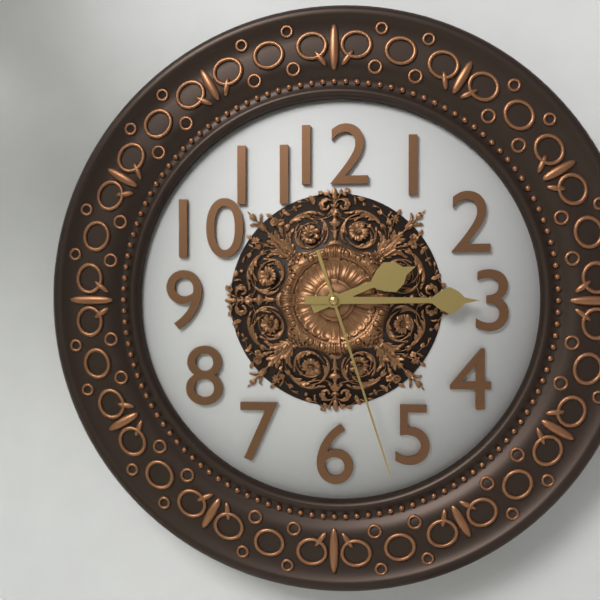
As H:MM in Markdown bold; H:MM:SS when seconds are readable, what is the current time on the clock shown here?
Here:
**2:15:27**
